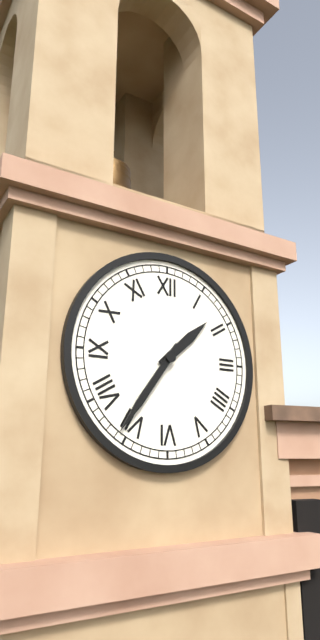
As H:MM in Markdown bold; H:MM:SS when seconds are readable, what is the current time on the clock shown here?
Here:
**1:36**
